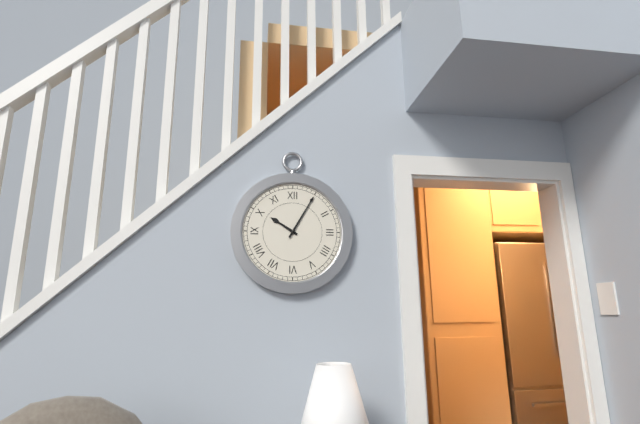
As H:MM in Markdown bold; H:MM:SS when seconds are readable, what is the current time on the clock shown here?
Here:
**10:05**
